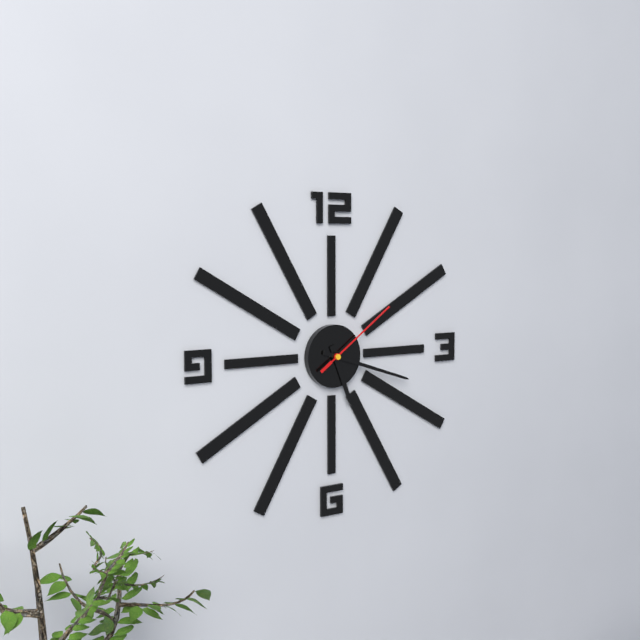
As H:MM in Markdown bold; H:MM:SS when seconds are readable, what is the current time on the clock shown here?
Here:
**5:18:09**
